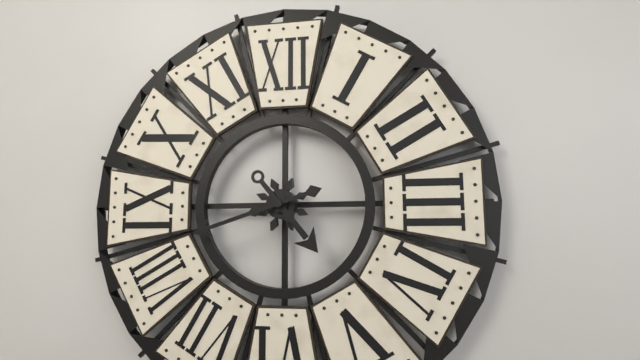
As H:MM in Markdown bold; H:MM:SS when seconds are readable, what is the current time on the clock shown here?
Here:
**4:42**
